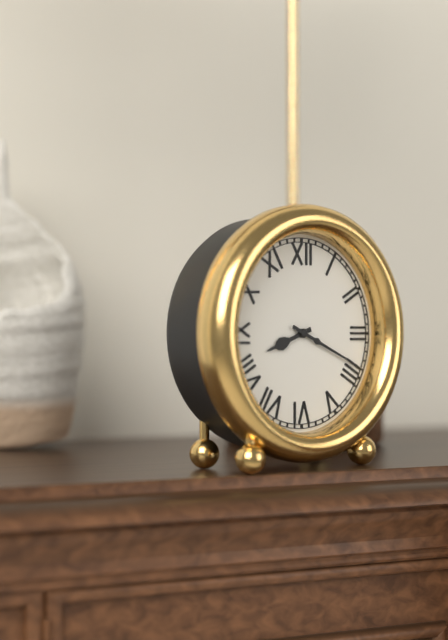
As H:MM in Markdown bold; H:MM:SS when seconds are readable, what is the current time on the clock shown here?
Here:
**8:19**
